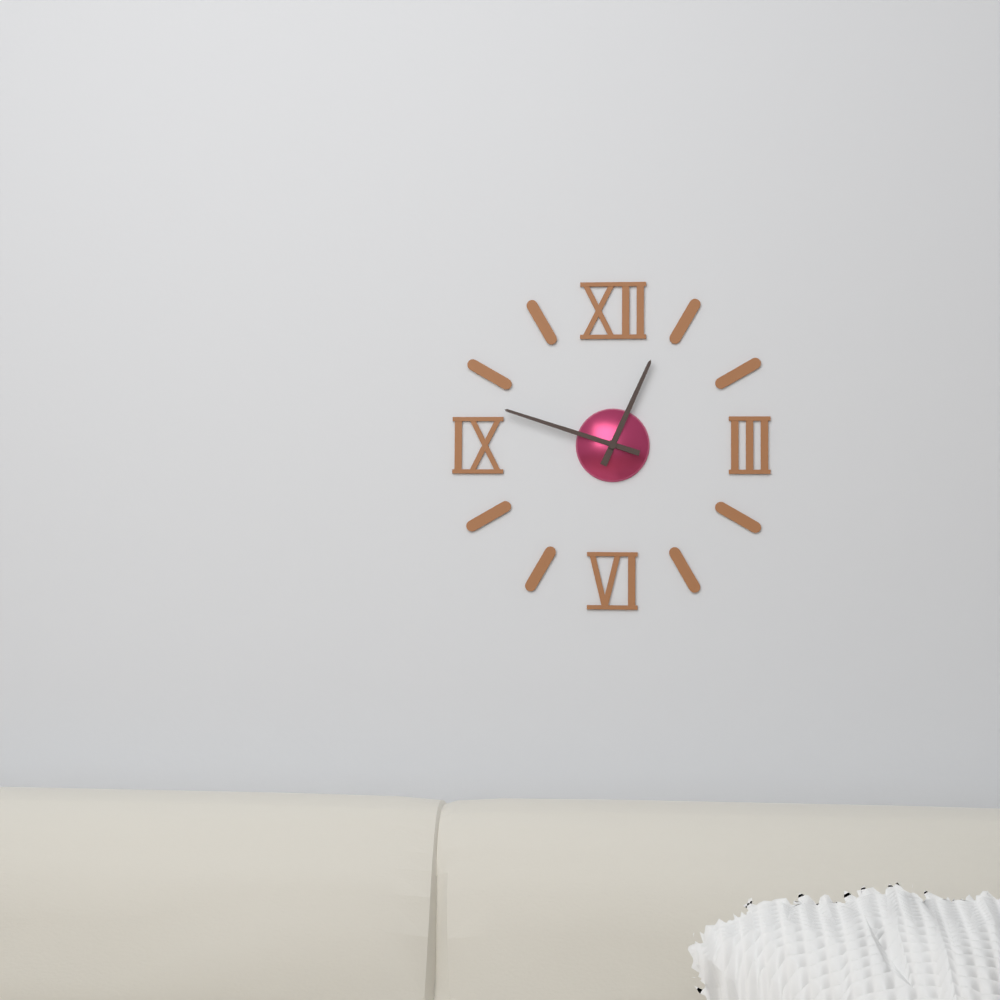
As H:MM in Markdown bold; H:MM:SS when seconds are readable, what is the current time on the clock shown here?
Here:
**12:48**
